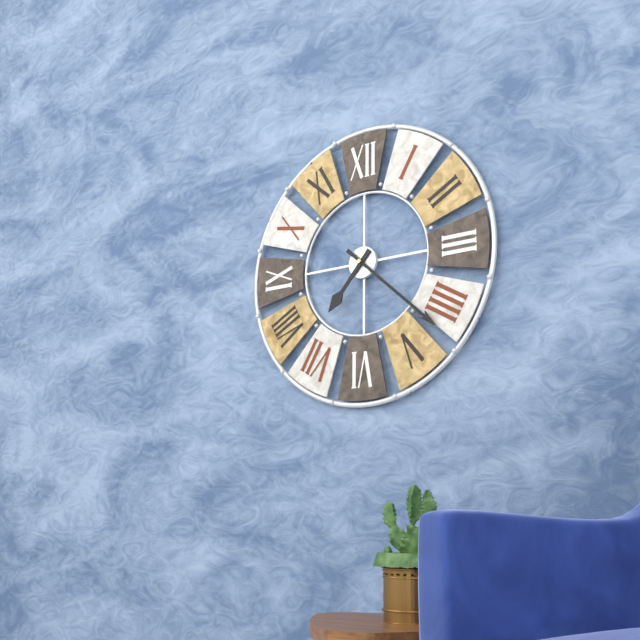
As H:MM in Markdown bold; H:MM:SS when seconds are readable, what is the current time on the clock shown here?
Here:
**7:22**
